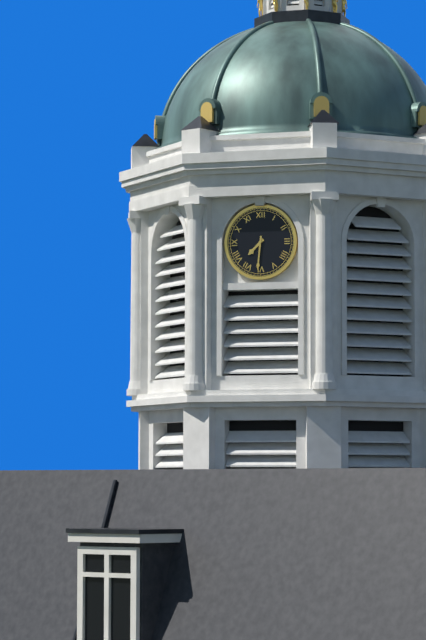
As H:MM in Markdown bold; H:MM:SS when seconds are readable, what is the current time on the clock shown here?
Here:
**7:31**
